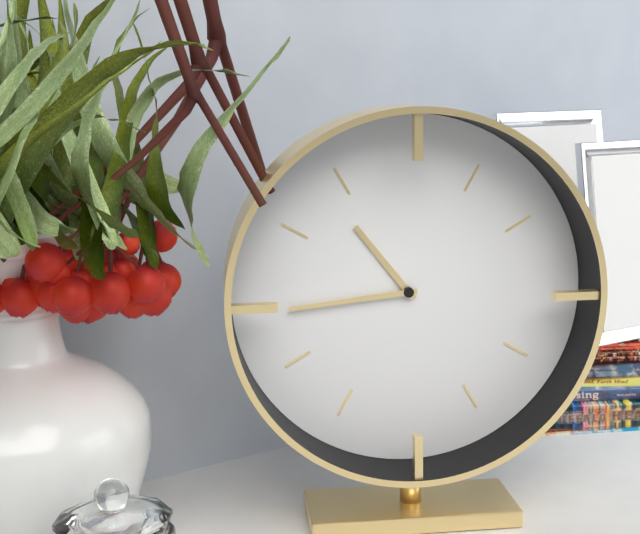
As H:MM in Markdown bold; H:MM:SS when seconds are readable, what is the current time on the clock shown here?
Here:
**10:44**
